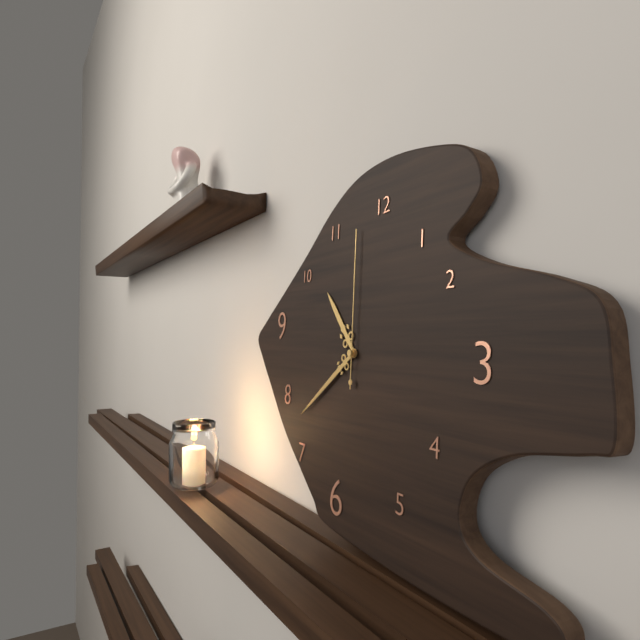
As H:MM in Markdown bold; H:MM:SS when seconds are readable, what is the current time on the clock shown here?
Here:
**10:39:00**
